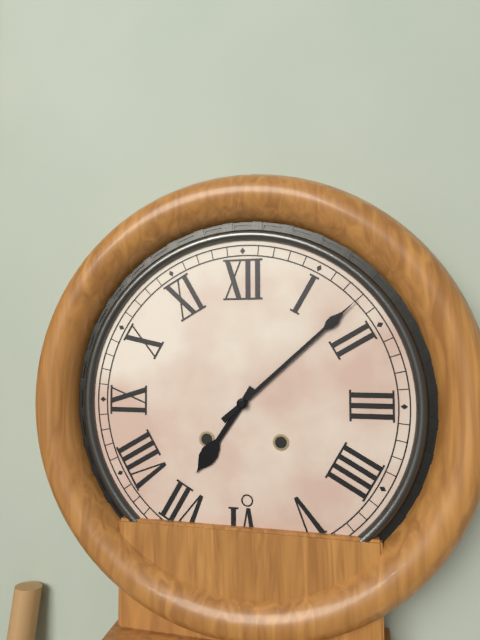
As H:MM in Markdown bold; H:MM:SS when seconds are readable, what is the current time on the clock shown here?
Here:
**7:08**
